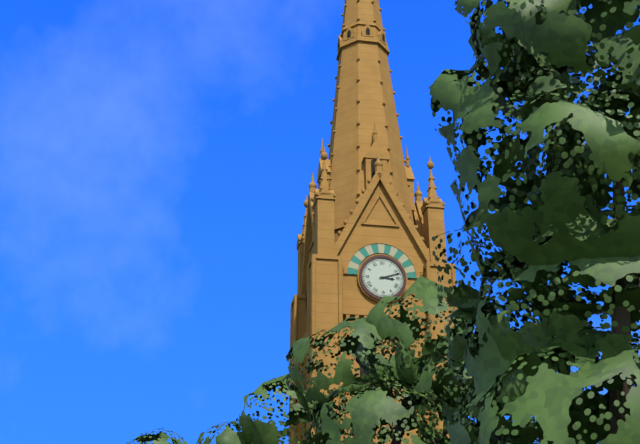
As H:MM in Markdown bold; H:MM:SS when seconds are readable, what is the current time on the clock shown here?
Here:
**3:12**
